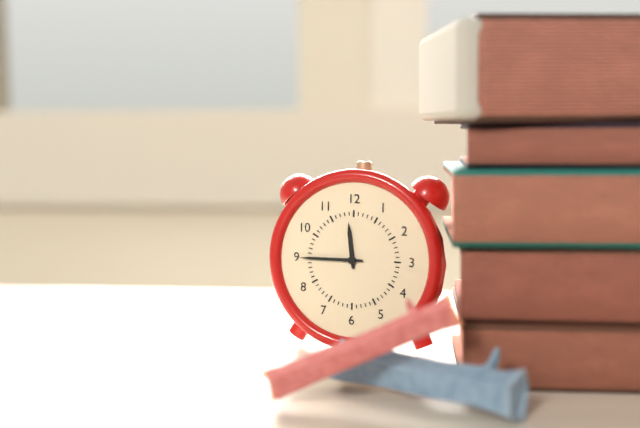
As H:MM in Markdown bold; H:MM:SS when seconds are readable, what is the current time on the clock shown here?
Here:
**11:45**
